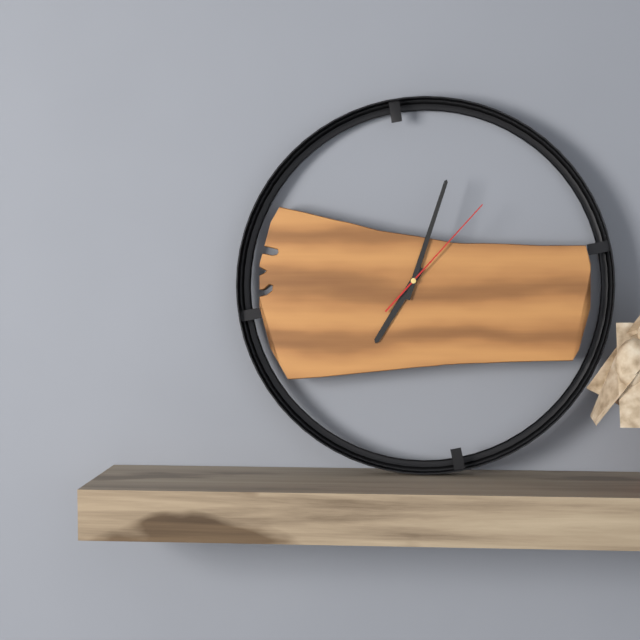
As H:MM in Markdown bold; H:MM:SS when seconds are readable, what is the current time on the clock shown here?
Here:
**7:03:07**
